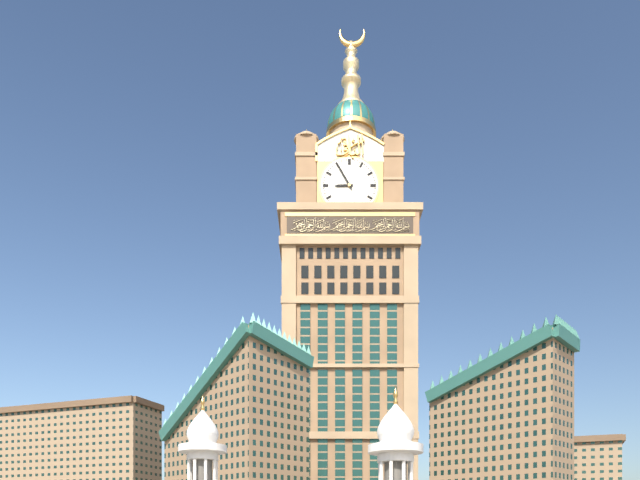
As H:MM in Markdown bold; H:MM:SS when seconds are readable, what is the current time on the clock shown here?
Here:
**8:55**
